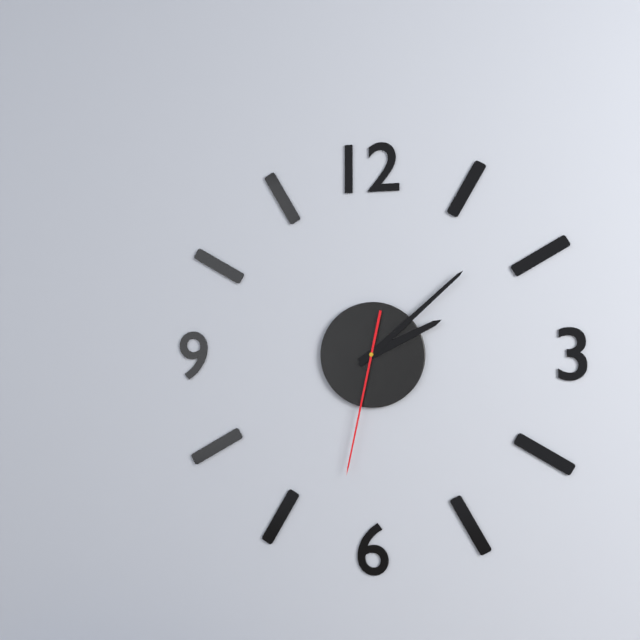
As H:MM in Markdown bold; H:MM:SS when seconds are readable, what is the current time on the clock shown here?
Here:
**2:08:32**
